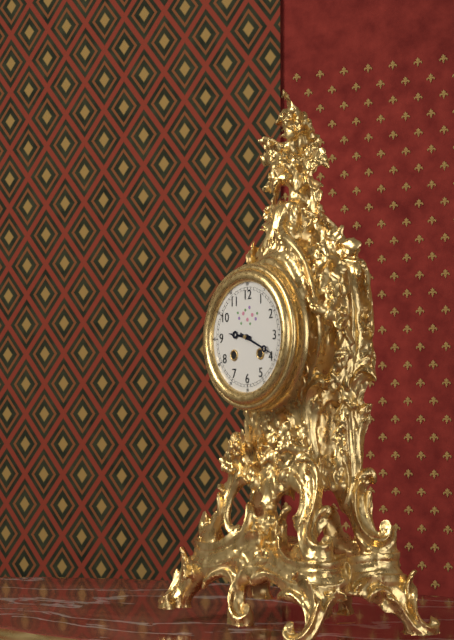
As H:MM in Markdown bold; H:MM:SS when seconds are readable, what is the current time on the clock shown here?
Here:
**9:19**
